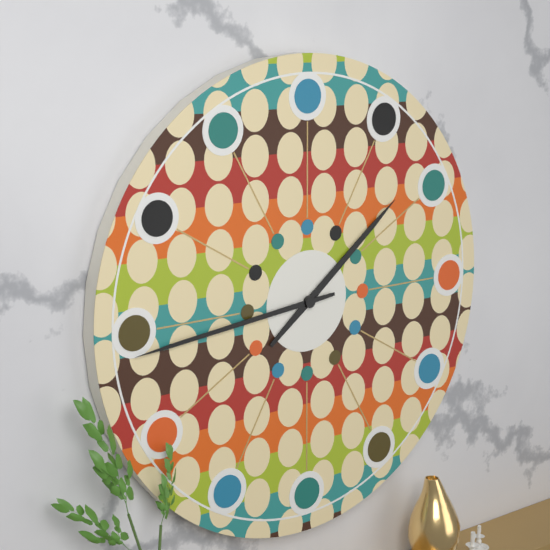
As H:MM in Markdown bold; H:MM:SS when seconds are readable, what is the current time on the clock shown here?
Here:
**1:44**
